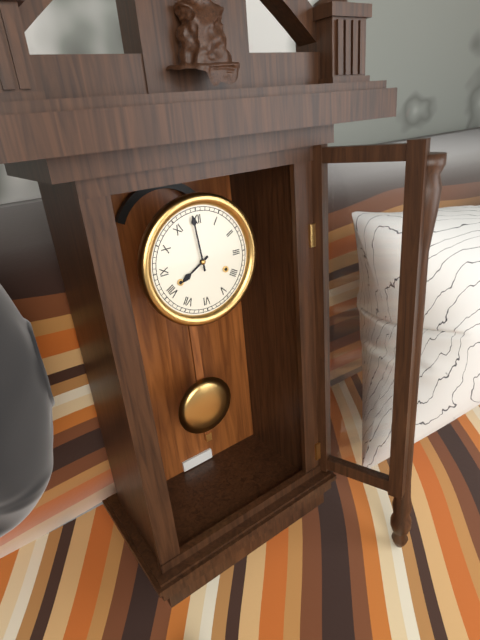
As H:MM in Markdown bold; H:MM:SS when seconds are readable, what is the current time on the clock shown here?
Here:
**7:59**
